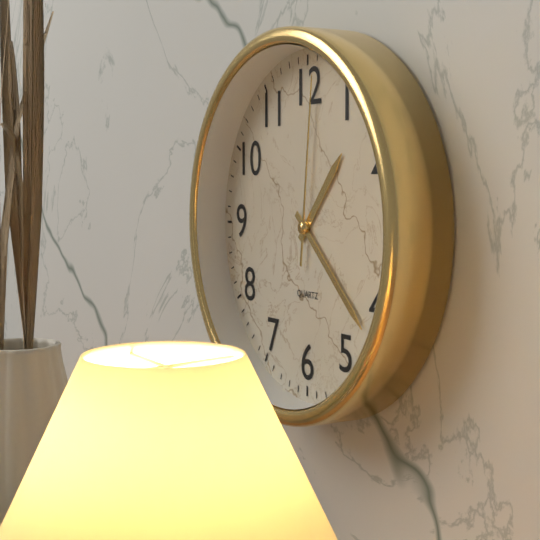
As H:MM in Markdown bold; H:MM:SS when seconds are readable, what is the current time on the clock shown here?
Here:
**1:22:01**
